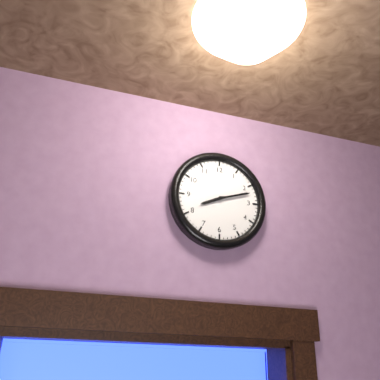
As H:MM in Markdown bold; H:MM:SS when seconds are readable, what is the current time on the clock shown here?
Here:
**8:12**
